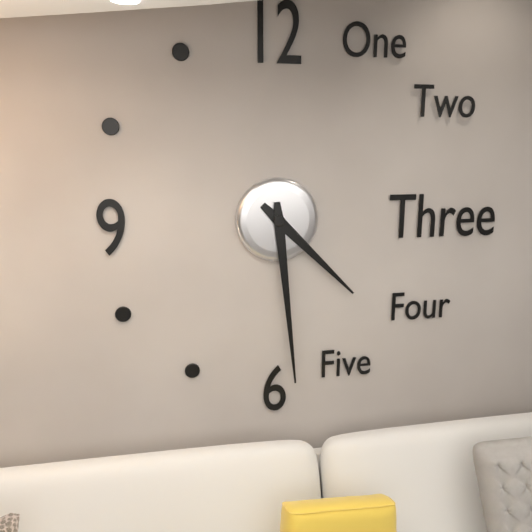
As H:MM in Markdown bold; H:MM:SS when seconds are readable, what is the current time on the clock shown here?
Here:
**4:29**
